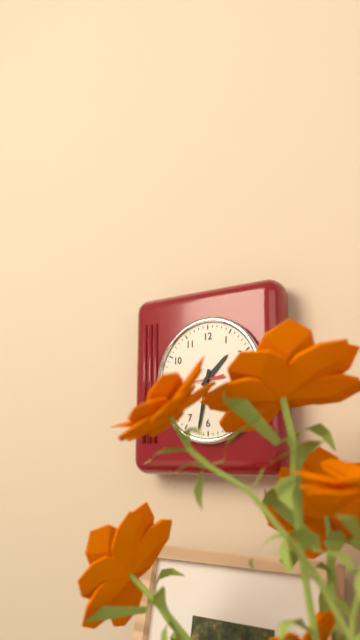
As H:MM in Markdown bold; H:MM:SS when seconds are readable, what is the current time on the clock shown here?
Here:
**1:32**
